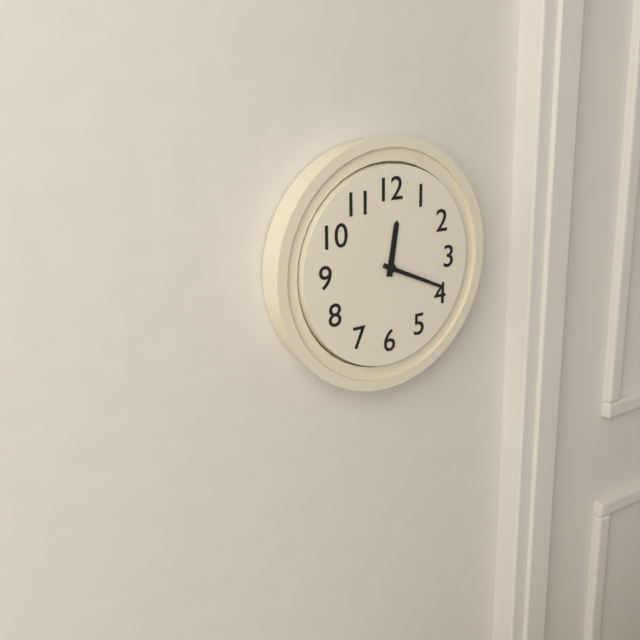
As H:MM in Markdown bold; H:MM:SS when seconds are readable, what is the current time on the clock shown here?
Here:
**12:19**
